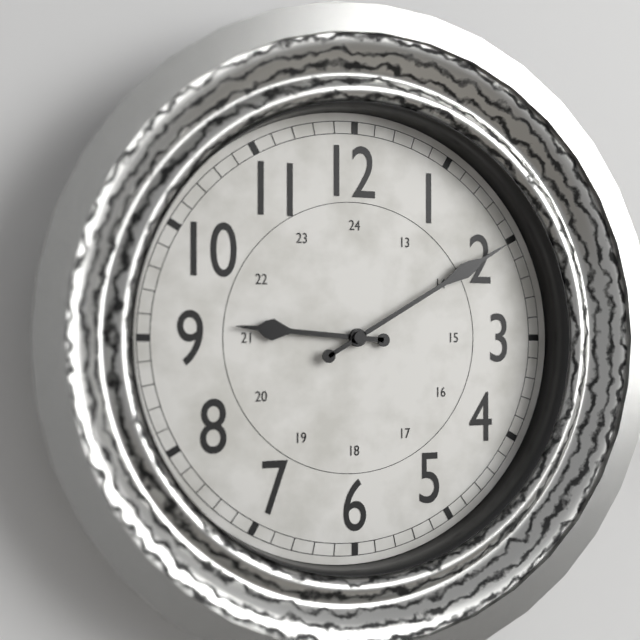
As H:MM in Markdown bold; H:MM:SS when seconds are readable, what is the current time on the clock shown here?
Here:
**9:10**
